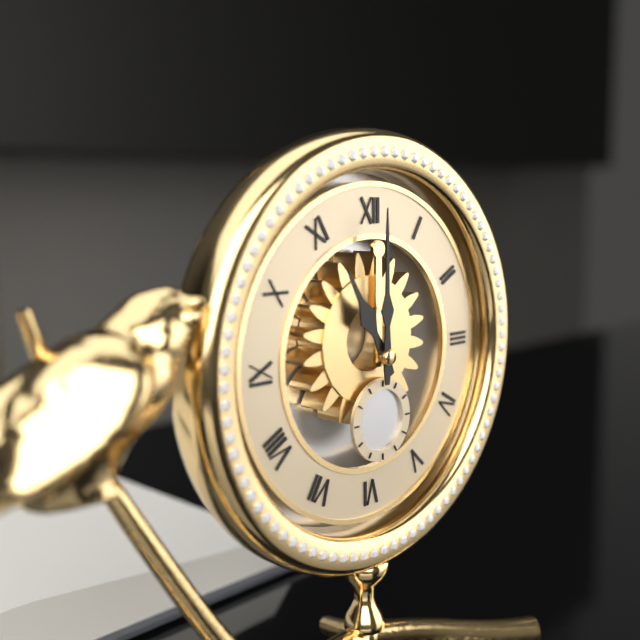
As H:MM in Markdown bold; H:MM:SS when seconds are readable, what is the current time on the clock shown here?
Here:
**11:00**
